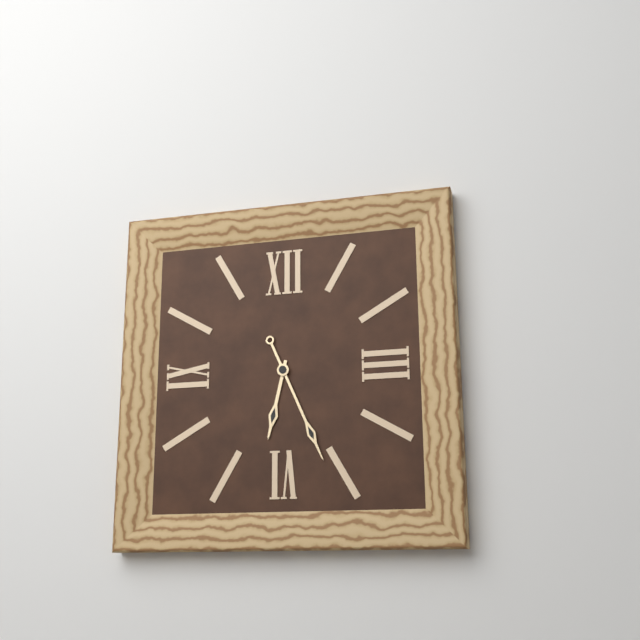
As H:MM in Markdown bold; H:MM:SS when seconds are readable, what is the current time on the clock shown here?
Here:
**6:26**
